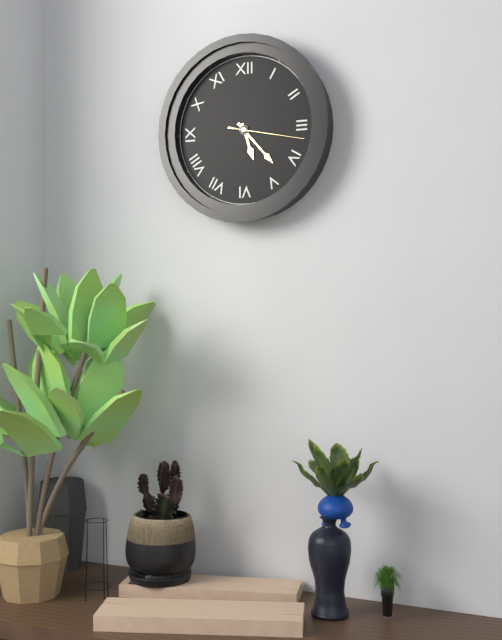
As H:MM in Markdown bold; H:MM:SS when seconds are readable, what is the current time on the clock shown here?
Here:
**5:23:17**
